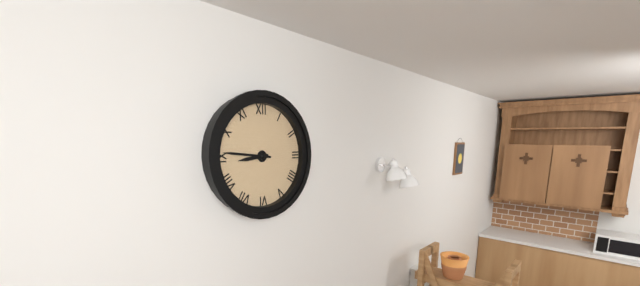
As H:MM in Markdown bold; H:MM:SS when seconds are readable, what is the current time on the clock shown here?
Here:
**8:46**
